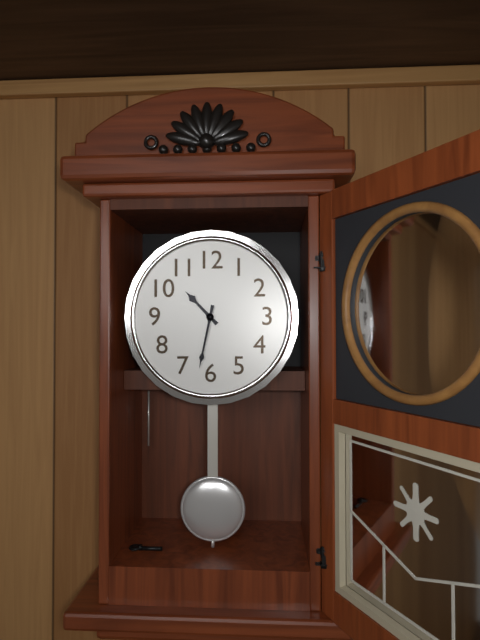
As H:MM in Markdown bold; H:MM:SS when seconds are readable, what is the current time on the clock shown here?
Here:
**10:32**
